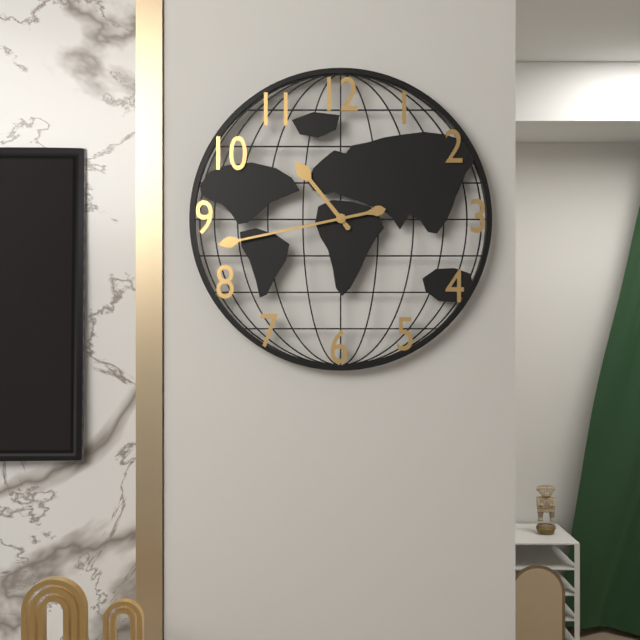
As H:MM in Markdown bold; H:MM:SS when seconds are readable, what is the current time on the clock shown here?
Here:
**10:43**
